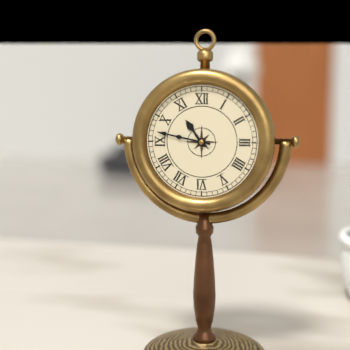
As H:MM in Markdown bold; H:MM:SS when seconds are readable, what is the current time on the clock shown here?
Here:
**10:47**
